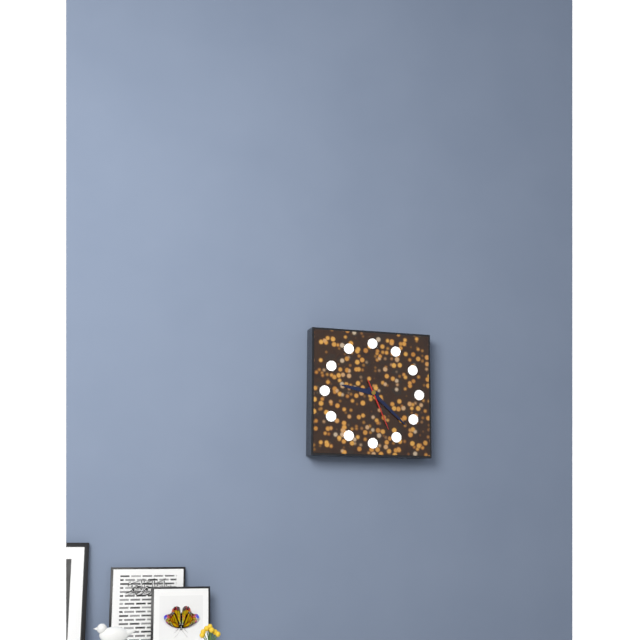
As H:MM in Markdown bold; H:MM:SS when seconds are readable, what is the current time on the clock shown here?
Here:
**9:22:26**
